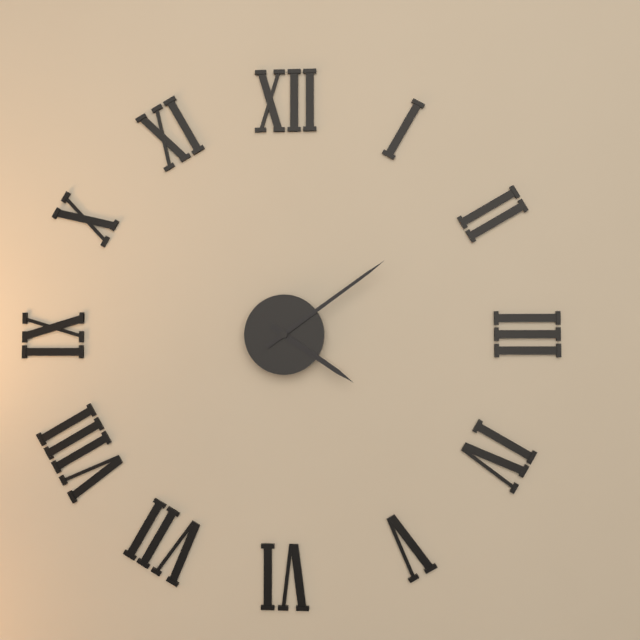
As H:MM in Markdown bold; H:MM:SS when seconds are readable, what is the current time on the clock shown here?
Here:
**4:09**
